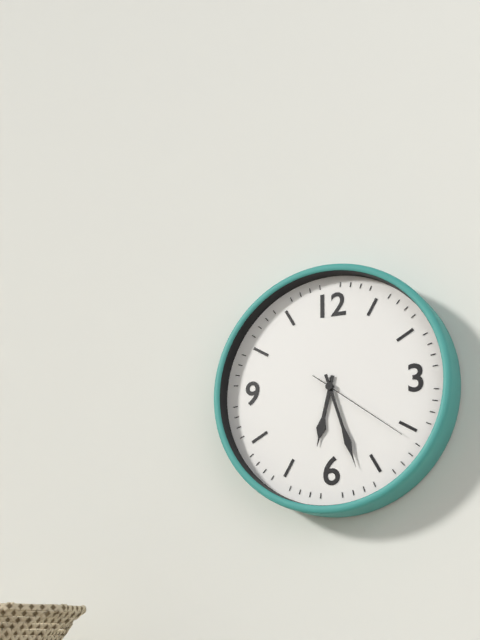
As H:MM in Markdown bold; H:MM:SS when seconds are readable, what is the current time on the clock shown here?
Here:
**6:27:21**
